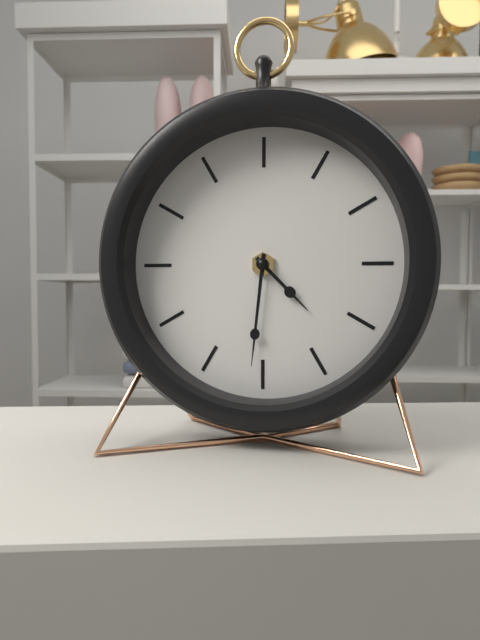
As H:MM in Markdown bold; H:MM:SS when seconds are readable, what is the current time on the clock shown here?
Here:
**4:31**
